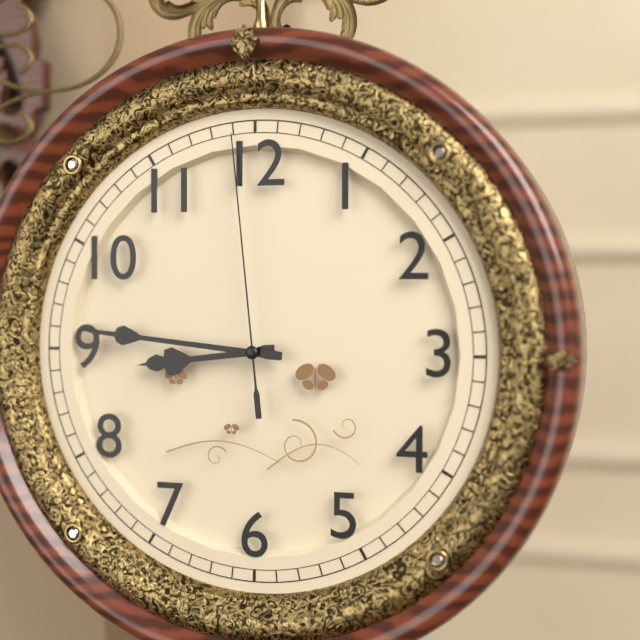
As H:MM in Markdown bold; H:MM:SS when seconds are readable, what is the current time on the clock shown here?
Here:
**8:46:59**
